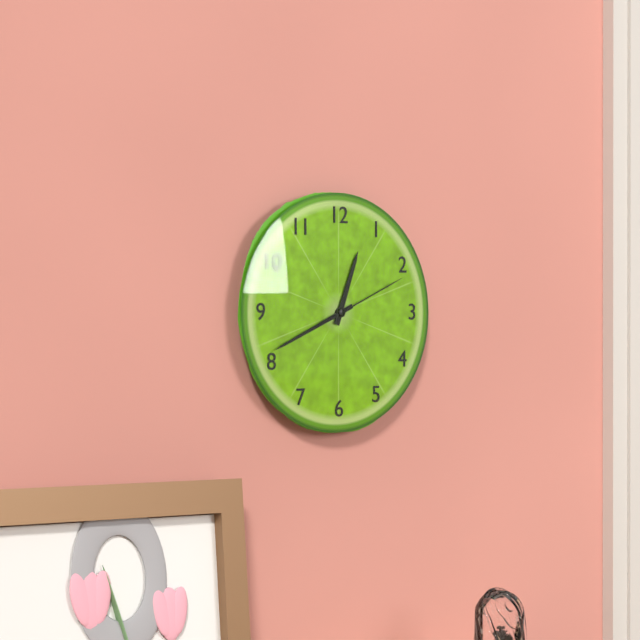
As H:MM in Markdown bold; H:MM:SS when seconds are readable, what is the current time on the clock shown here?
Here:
**12:41:11**
